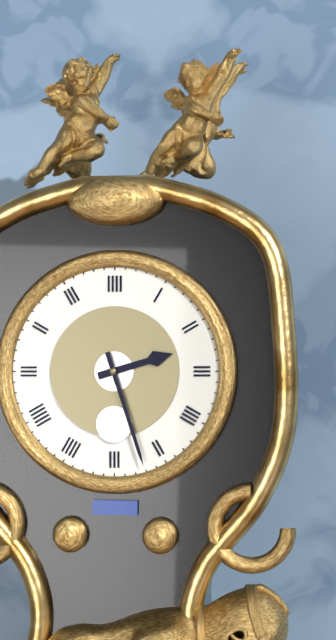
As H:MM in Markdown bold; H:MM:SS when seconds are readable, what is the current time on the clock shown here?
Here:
**2:27**
